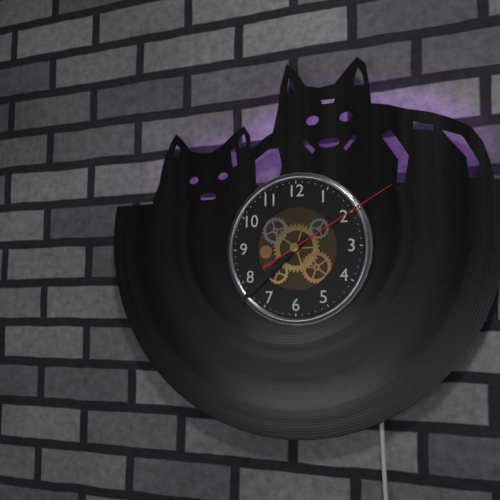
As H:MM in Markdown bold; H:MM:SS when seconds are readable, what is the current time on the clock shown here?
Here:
**7:38:10**
